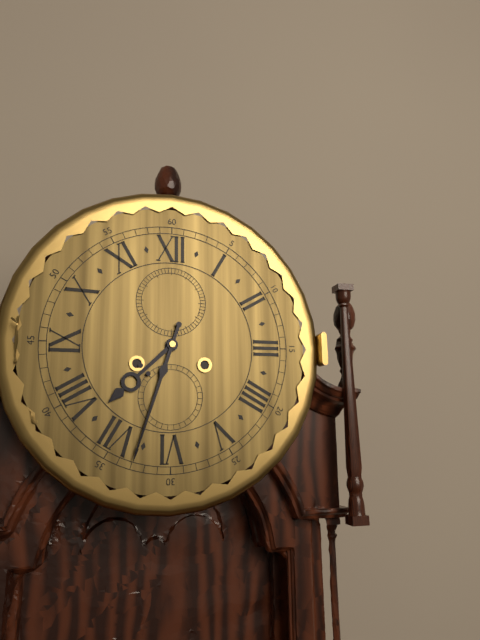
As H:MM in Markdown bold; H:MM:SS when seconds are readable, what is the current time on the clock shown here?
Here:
**7:33**
